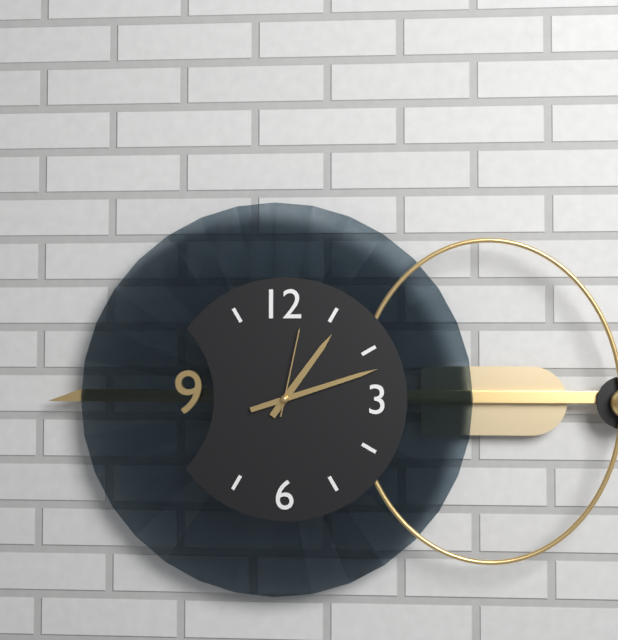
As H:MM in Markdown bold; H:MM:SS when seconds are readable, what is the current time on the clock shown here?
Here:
**1:12:02**
